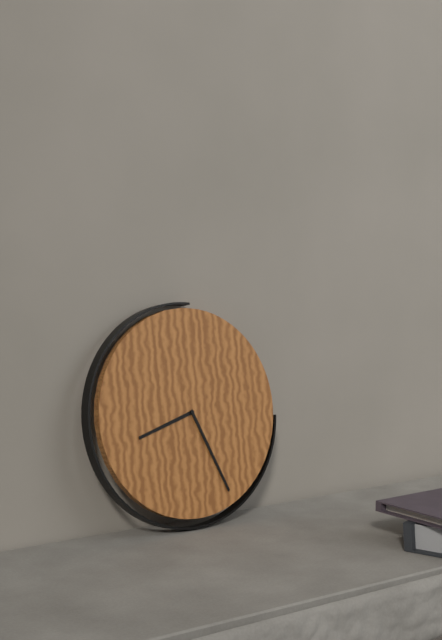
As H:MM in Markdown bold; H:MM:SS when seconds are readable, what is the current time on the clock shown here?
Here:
**8:26**
